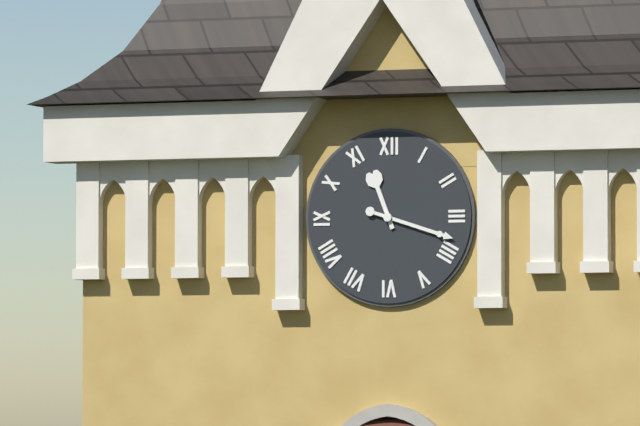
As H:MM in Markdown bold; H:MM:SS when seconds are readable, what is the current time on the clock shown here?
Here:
**11:18**
